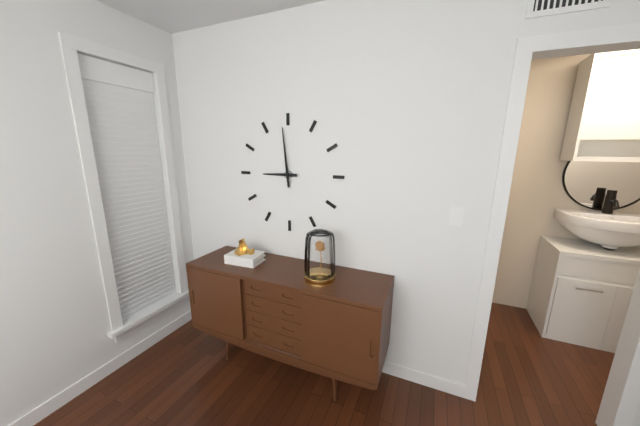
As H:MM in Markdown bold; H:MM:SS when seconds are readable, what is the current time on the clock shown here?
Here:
**8:59**
